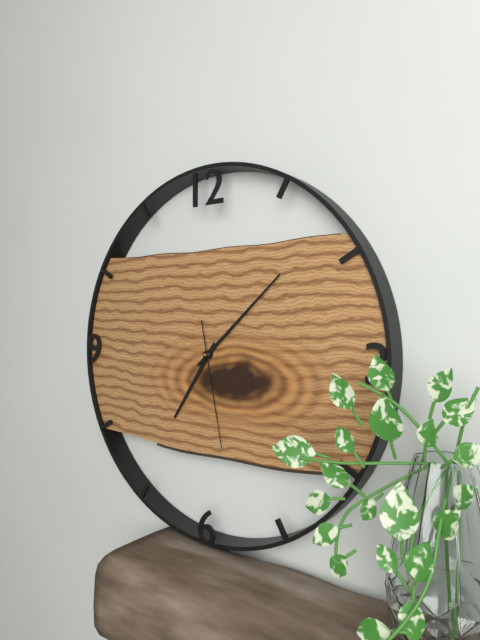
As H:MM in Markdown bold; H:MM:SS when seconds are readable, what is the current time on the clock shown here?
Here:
**7:08:28**
